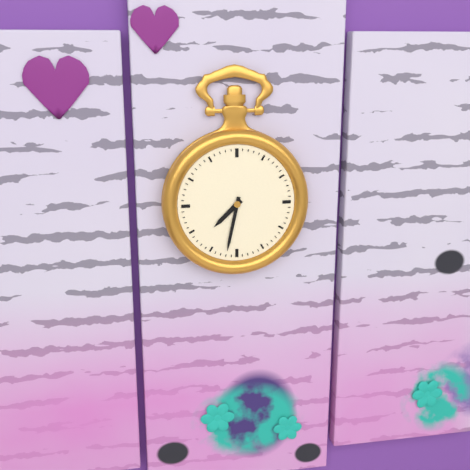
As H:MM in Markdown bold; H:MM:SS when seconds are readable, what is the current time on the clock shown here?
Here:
**7:32**
